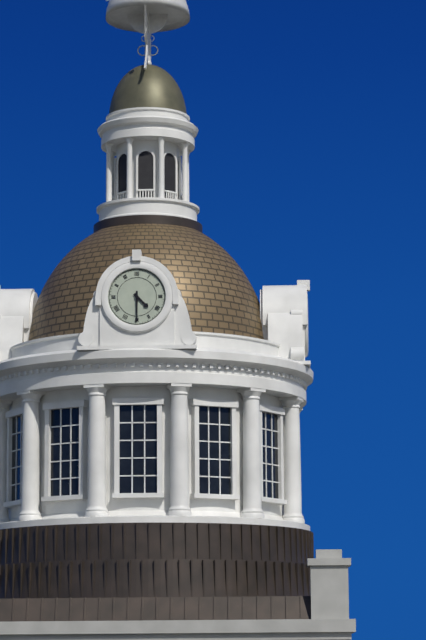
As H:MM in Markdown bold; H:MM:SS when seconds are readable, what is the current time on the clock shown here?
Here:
**4:30**
